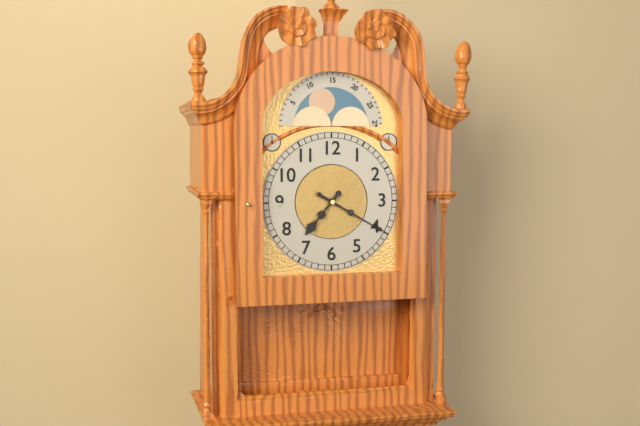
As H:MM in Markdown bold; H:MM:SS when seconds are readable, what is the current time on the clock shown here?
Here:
**7:20**
